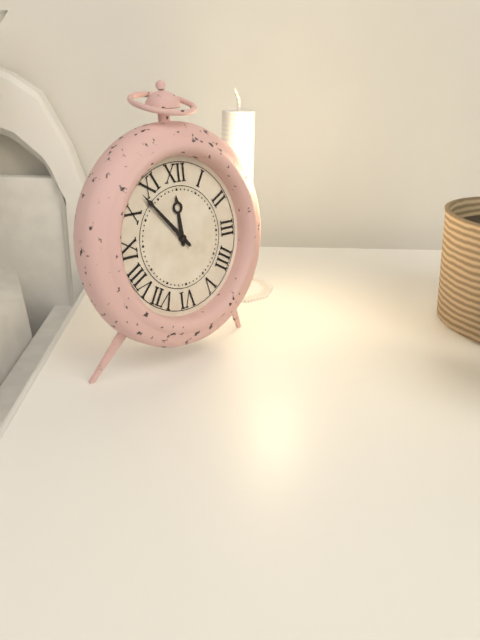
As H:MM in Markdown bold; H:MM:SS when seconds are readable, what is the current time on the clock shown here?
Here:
**11:53**
